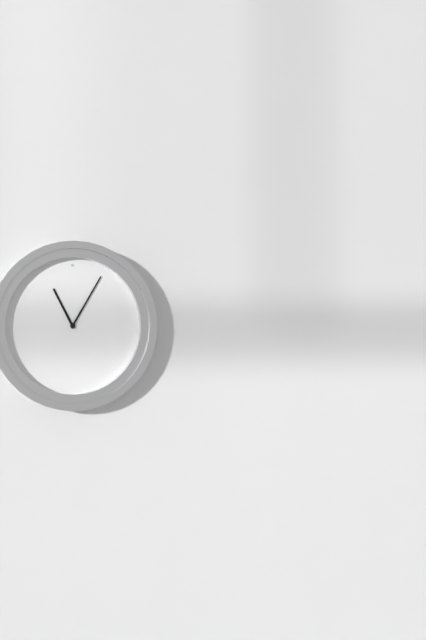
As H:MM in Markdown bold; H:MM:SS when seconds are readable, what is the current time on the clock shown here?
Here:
**11:05**
